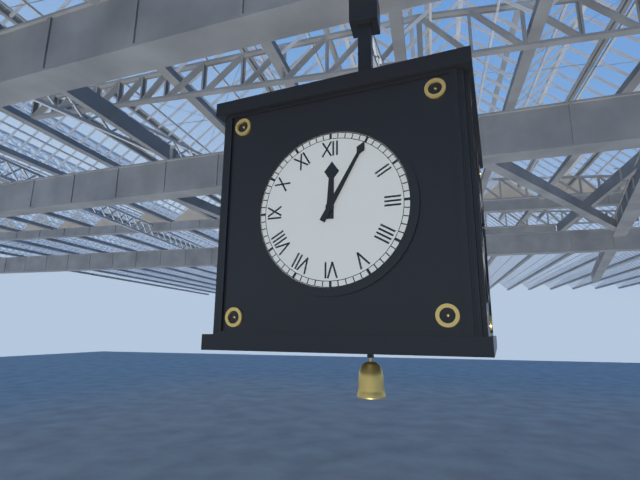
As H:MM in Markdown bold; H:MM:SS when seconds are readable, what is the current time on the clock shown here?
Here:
**12:05**
